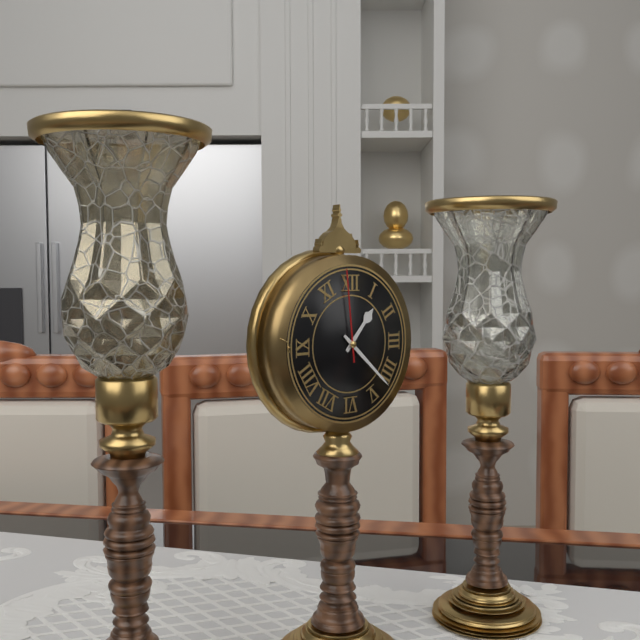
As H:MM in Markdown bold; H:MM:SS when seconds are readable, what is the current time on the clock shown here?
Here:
**1:22:59**
